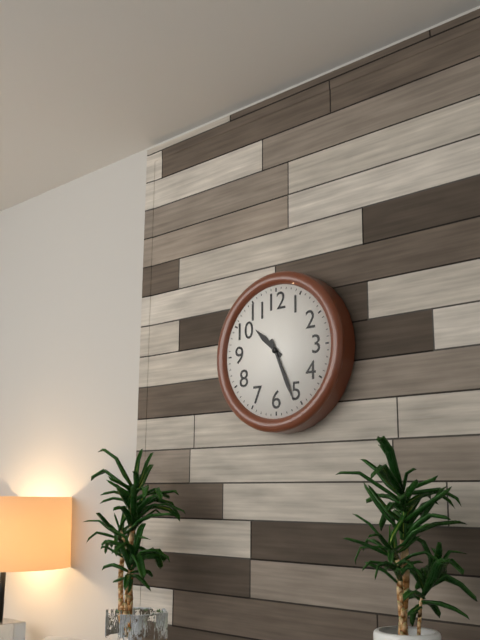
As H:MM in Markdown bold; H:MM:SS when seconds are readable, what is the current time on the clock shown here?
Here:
**10:26**
